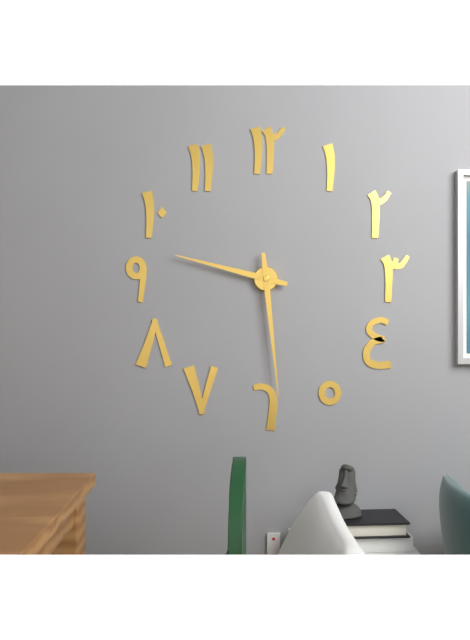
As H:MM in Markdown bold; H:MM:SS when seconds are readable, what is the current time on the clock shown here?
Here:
**9:29**
